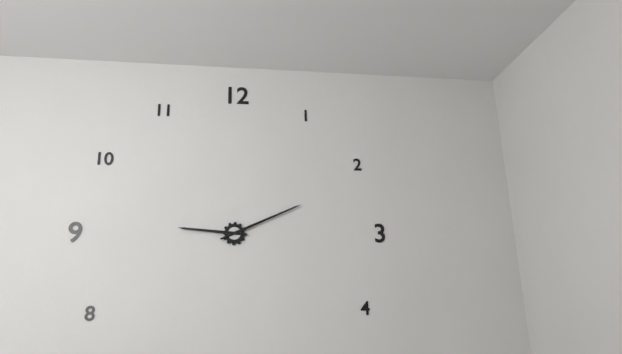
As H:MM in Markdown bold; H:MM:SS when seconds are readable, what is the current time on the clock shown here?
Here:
**9:11**
